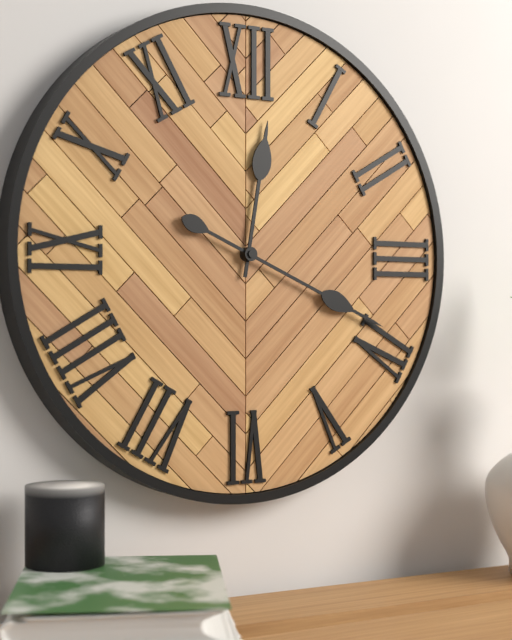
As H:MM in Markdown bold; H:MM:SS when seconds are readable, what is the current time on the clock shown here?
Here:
**12:19**
